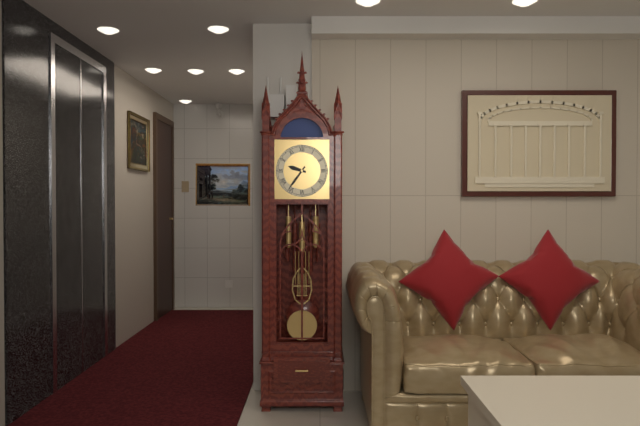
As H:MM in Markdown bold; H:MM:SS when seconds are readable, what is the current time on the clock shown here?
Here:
**9:36**
